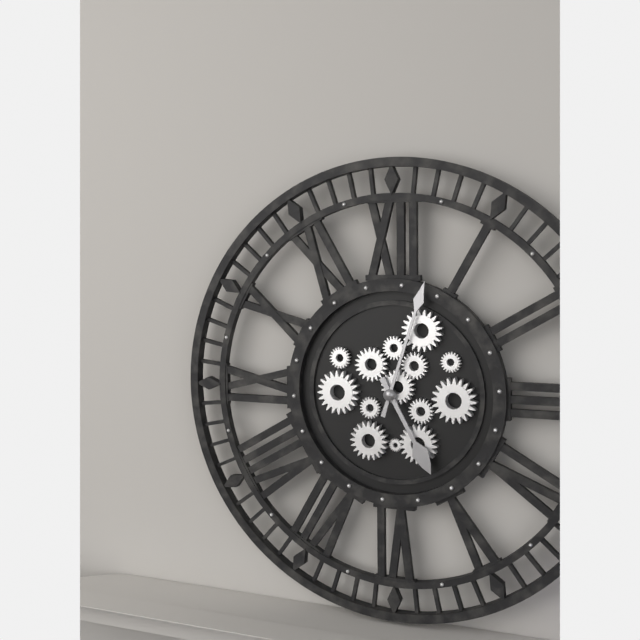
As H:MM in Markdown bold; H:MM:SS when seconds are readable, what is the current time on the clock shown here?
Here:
**5:03**
